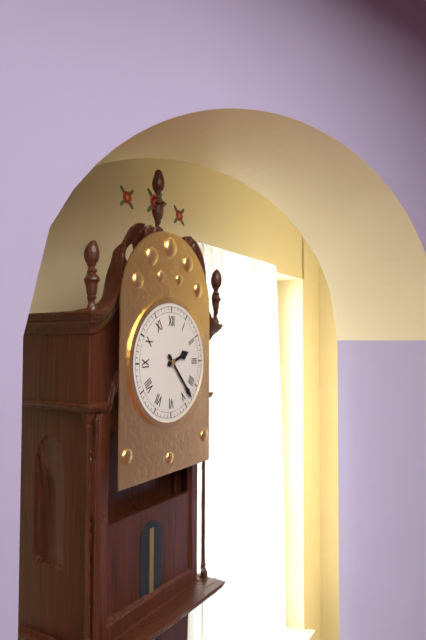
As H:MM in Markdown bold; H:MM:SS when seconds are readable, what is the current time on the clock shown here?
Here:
**2:23**
